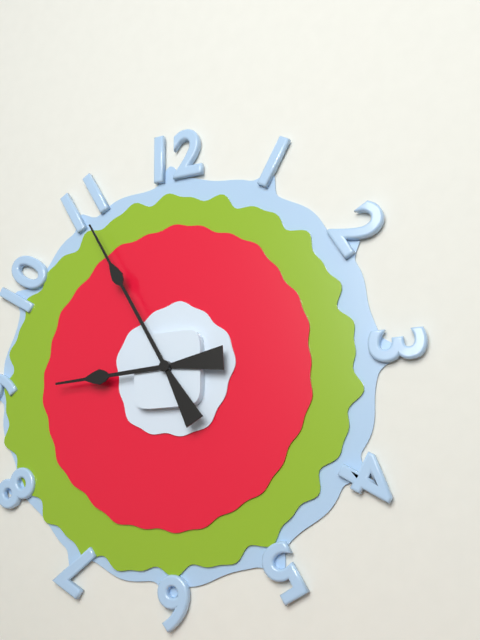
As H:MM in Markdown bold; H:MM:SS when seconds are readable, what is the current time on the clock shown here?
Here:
**8:55**
